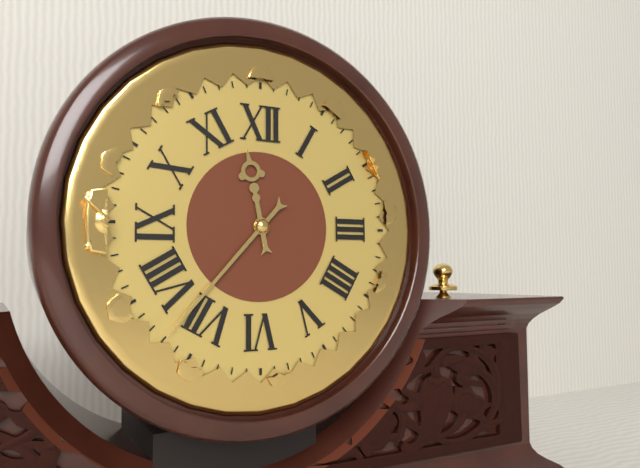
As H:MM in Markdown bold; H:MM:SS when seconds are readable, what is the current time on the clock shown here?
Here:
**11:37**
